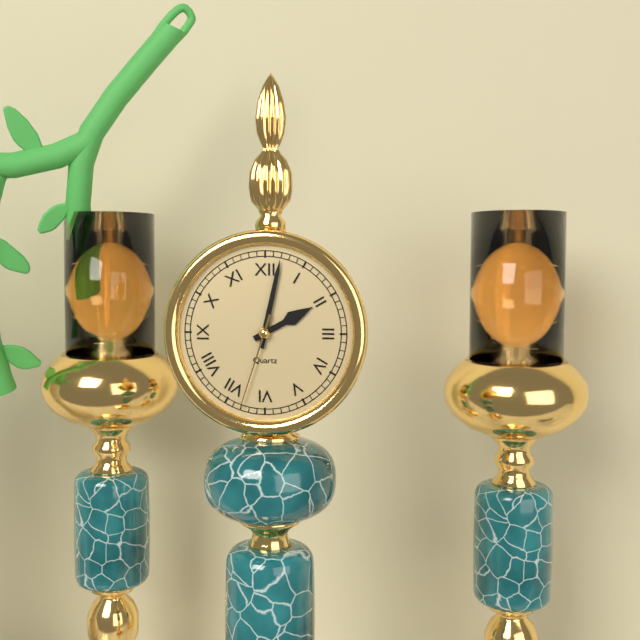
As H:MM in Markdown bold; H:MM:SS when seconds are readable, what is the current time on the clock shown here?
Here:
**2:02:33**
